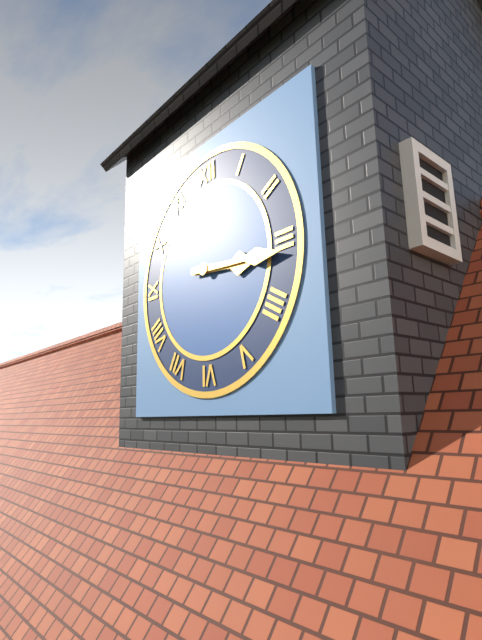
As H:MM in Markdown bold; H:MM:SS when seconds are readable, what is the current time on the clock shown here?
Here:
**3:16**
